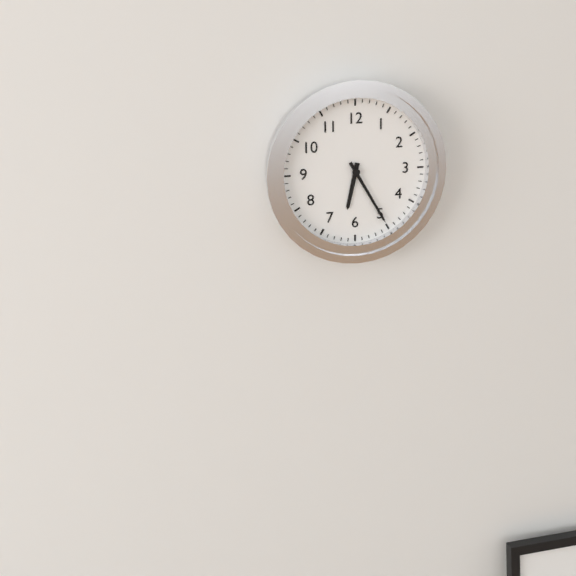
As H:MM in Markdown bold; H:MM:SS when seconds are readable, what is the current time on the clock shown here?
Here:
**6:25**
